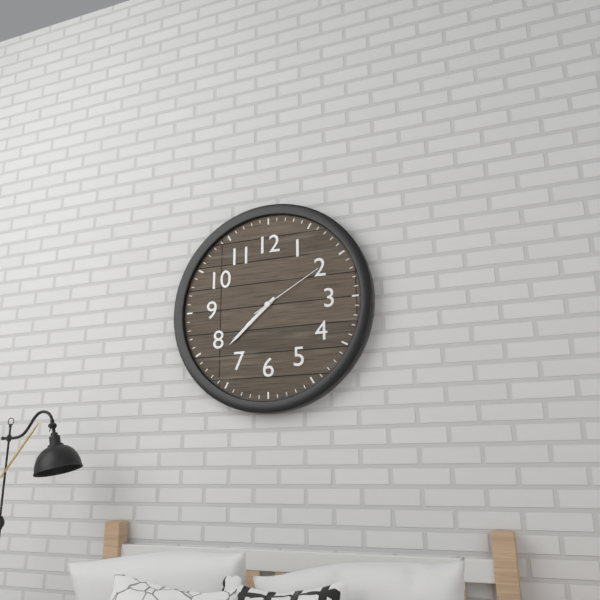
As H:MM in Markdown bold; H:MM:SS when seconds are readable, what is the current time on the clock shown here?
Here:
**7:38:10**
